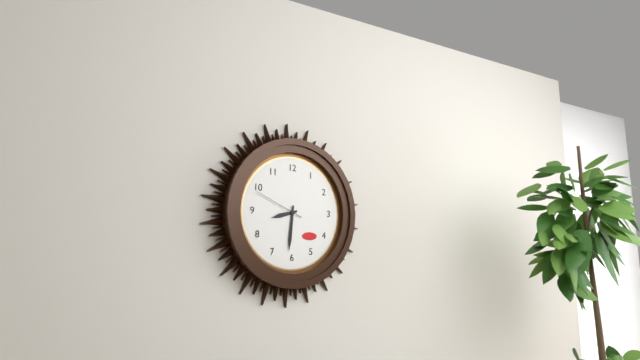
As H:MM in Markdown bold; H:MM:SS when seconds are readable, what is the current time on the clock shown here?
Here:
**8:31:49**
